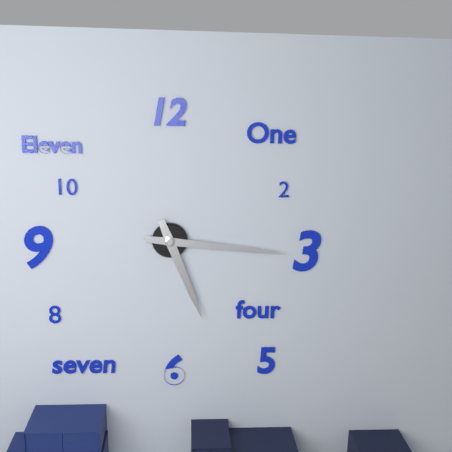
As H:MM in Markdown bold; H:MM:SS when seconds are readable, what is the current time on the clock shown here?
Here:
**5:16**
